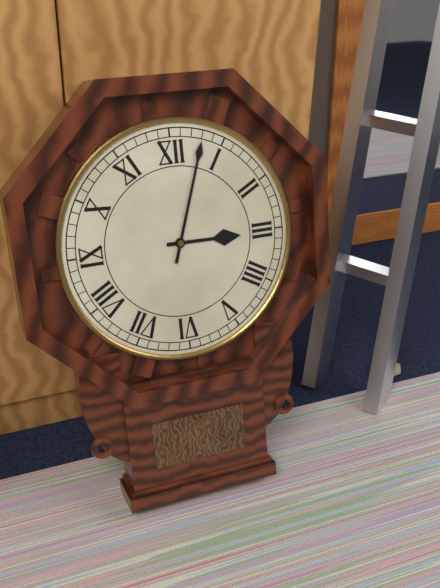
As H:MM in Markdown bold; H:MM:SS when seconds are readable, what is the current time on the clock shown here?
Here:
**3:03**
